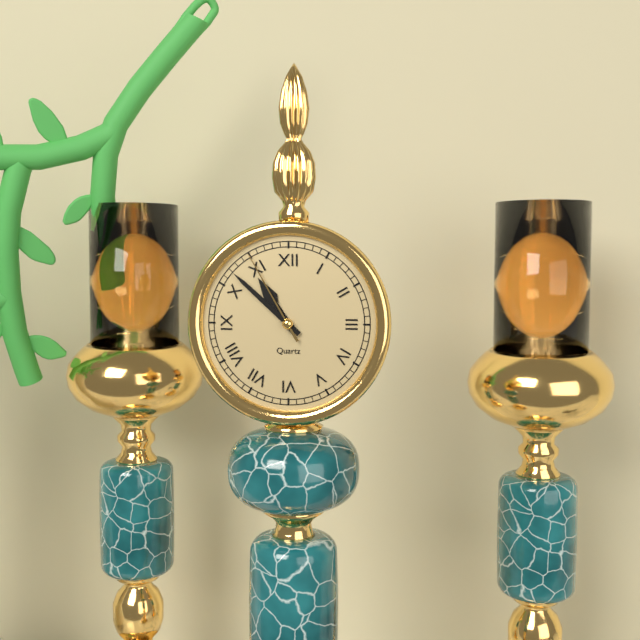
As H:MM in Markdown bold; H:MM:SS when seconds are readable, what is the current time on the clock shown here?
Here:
**10:52:55**
